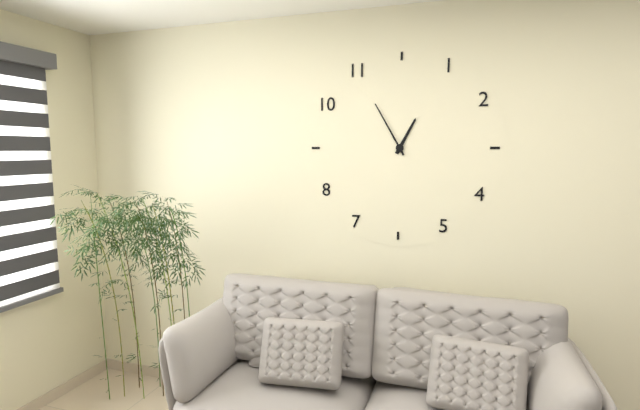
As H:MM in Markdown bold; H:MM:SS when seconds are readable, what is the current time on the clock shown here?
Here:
**12:55**
